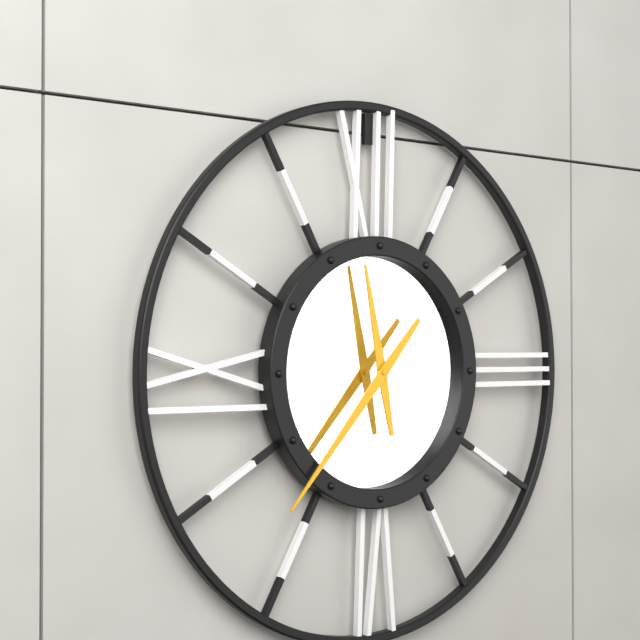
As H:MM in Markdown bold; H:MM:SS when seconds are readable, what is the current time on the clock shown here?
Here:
**11:37**
